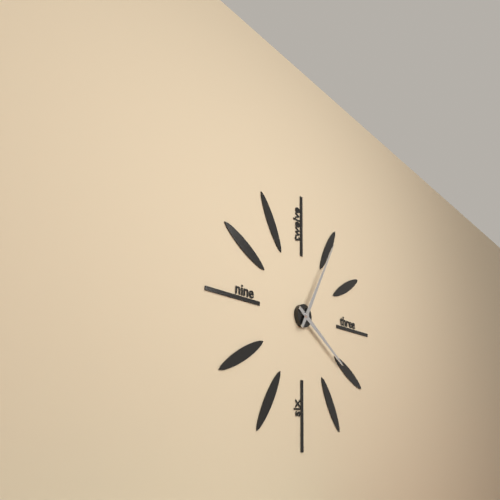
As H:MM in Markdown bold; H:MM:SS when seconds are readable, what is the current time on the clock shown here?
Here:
**4:05**
